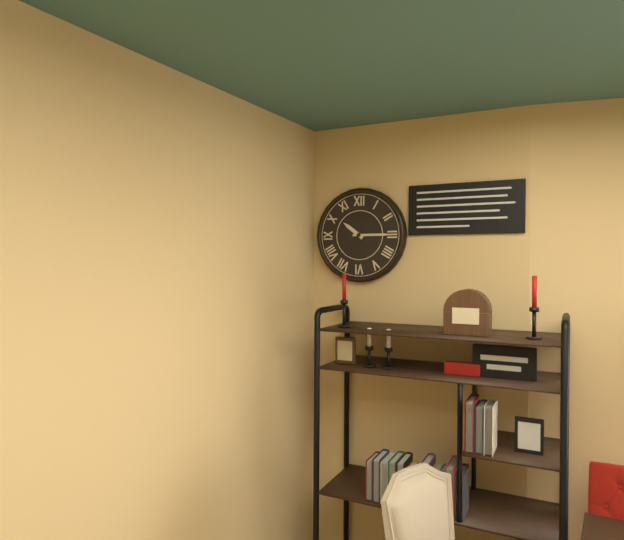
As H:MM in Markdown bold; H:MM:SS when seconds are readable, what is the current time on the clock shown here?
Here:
**10:15**
